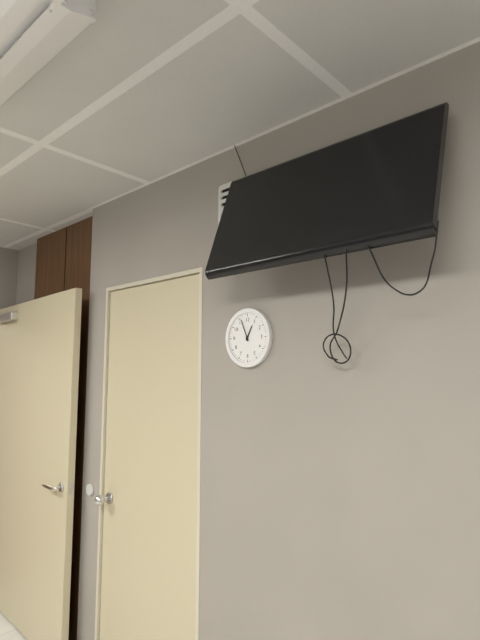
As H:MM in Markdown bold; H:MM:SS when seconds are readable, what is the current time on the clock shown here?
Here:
**12:56**
